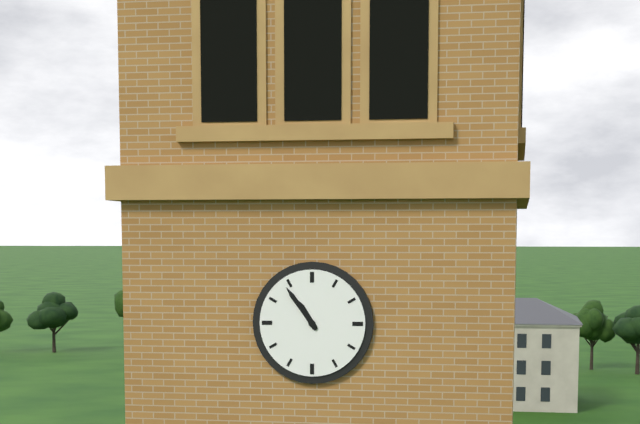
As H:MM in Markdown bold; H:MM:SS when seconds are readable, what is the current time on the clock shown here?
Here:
**10:54**
